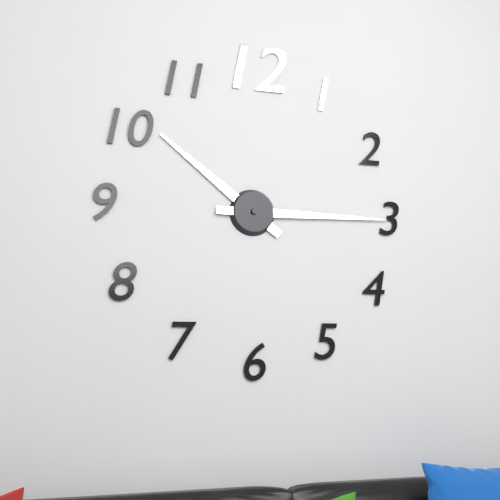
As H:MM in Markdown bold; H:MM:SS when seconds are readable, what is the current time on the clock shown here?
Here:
**10:15**
